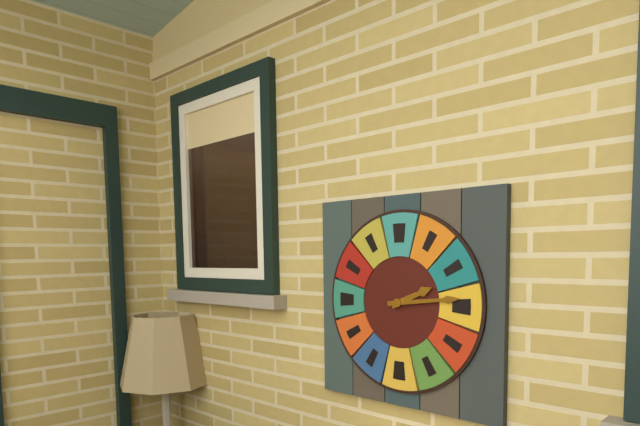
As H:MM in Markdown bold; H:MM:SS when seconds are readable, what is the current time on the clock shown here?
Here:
**2:14**
